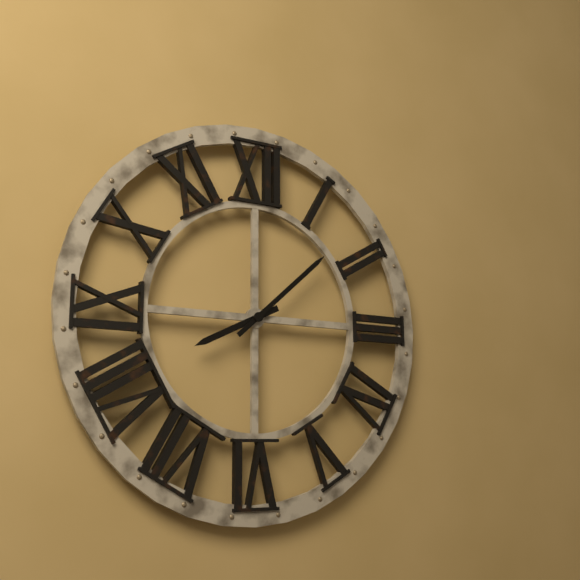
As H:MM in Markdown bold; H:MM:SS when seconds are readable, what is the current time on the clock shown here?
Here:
**8:08**
